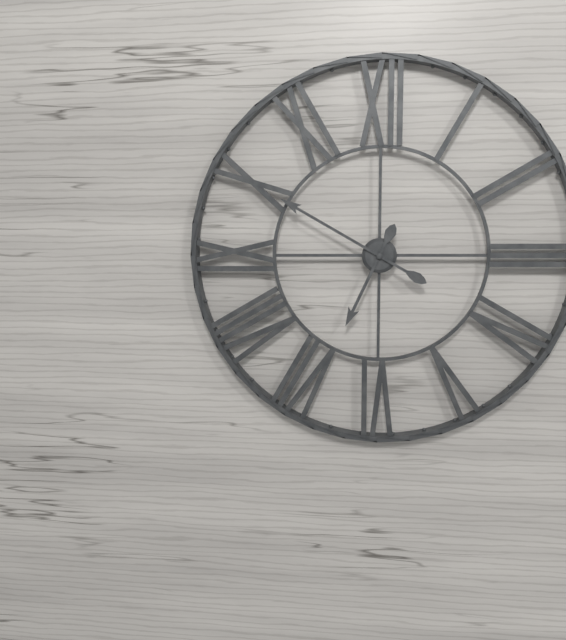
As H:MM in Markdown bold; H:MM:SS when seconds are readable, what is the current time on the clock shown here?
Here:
**6:50**
